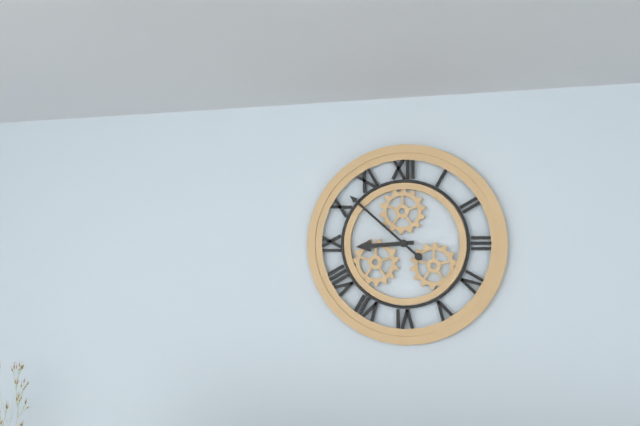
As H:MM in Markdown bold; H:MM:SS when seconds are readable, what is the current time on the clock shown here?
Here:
**8:52**
